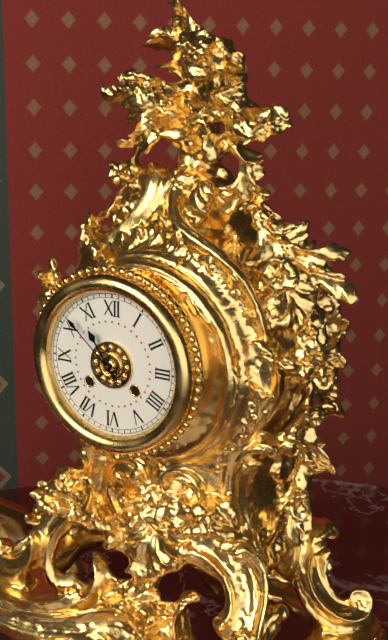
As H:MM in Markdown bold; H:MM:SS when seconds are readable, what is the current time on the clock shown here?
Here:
**10:52**
